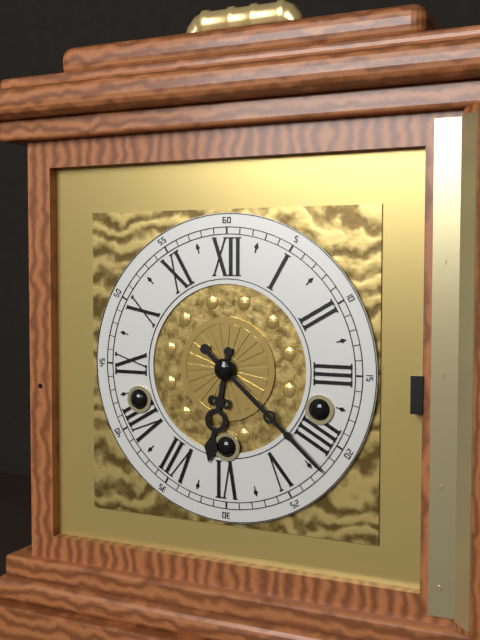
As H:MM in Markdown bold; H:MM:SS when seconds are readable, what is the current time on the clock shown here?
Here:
**6:22**
